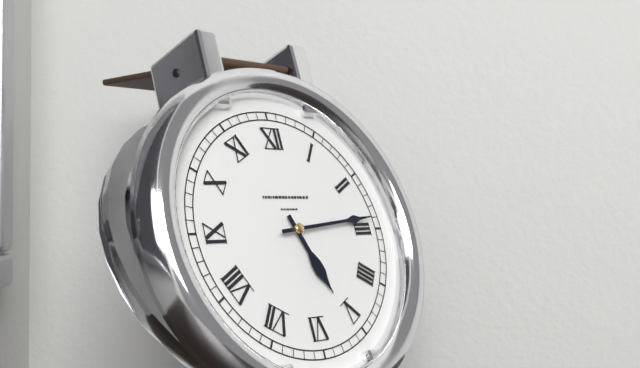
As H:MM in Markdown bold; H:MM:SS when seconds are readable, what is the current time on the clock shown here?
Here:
**5:14**
